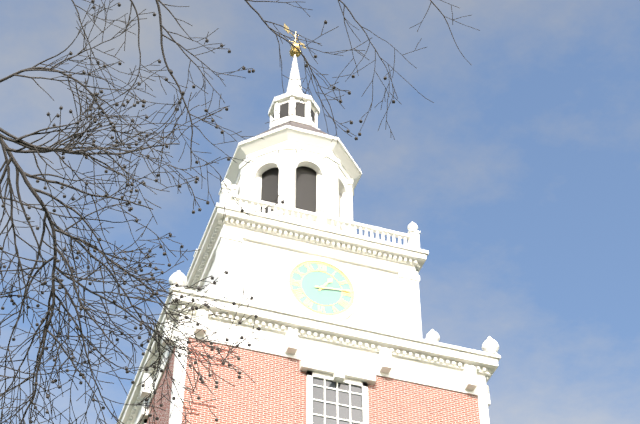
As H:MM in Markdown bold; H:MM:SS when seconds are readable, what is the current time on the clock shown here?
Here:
**1:14**
